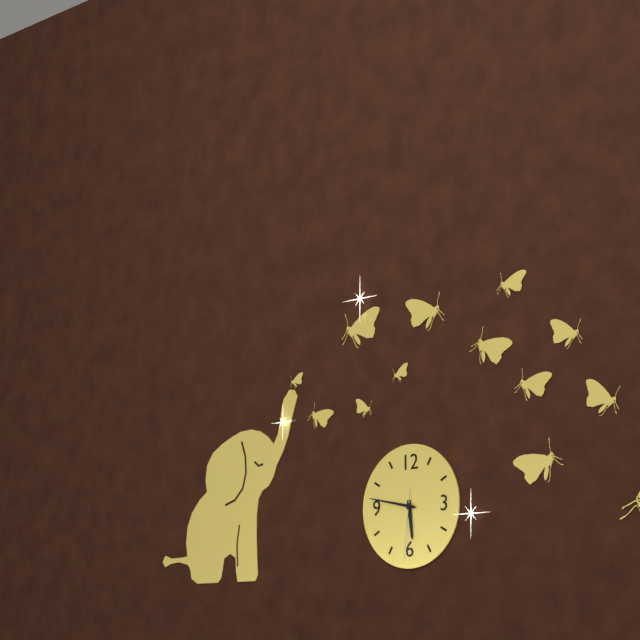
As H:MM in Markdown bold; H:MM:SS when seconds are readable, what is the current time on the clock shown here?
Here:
**5:47:31**
